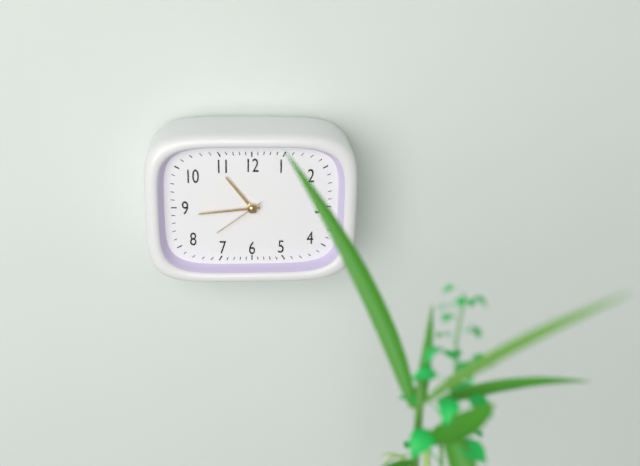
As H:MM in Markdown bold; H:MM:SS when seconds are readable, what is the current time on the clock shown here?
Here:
**10:44:39**
